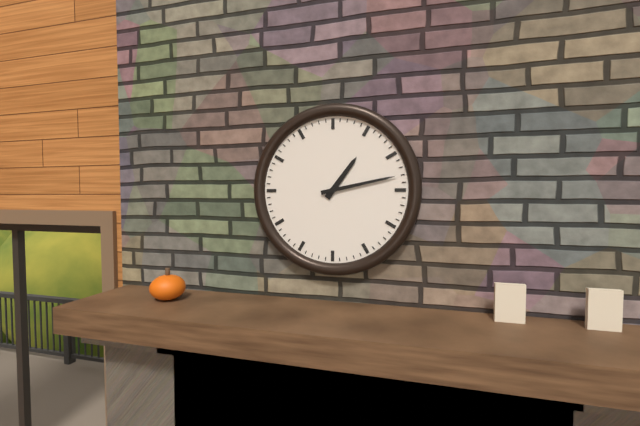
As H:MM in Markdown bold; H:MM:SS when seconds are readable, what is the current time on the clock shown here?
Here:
**1:13**
